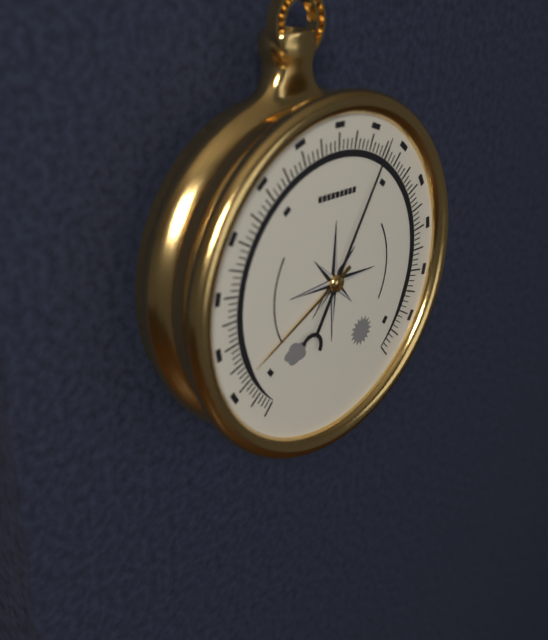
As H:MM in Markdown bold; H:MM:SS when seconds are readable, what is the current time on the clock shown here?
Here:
**8:05**
